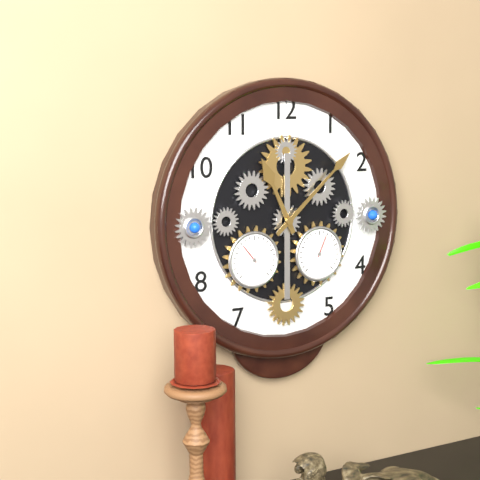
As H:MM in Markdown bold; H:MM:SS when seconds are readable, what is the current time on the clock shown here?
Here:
**11:08**
